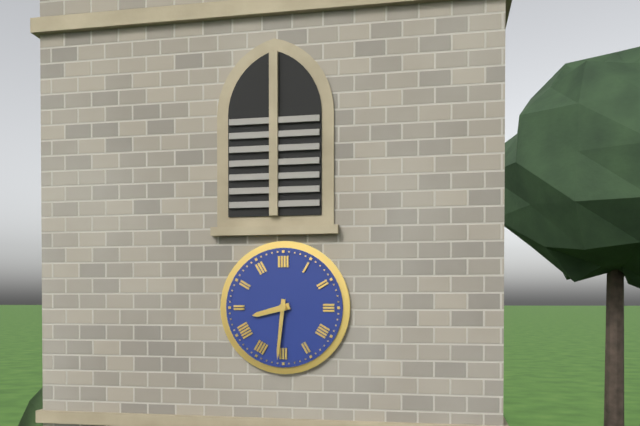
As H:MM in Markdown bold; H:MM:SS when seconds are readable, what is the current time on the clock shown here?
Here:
**8:31**
